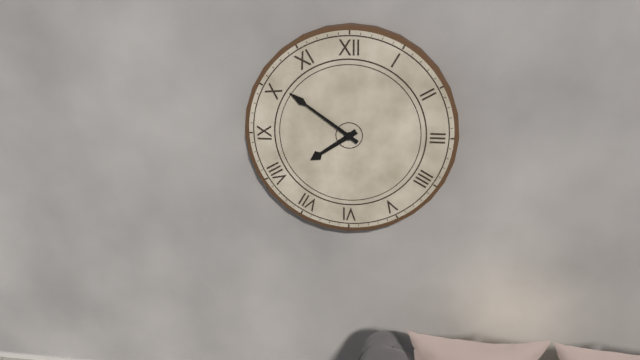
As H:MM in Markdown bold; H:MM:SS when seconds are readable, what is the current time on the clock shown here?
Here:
**7:51**
